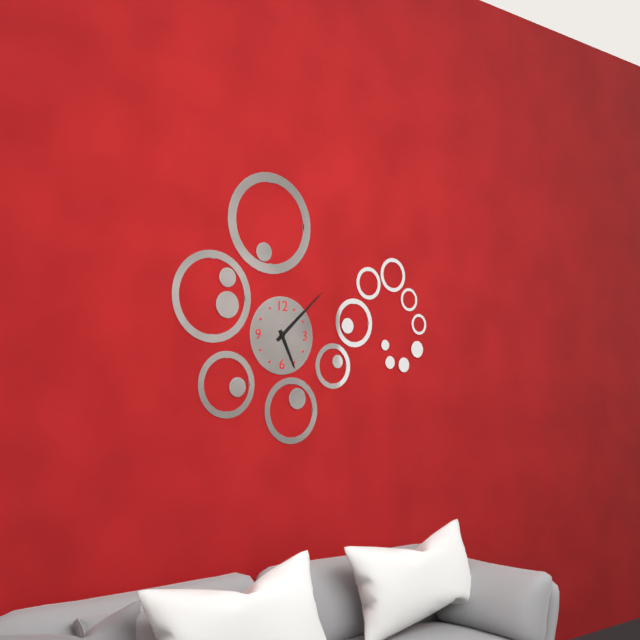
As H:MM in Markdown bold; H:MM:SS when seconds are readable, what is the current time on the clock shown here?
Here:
**5:08**
